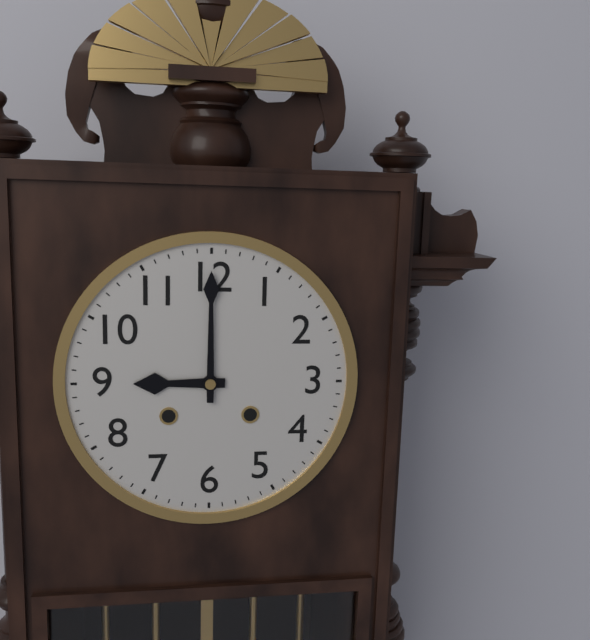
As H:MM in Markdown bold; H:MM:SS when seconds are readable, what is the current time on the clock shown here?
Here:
**9:00**
